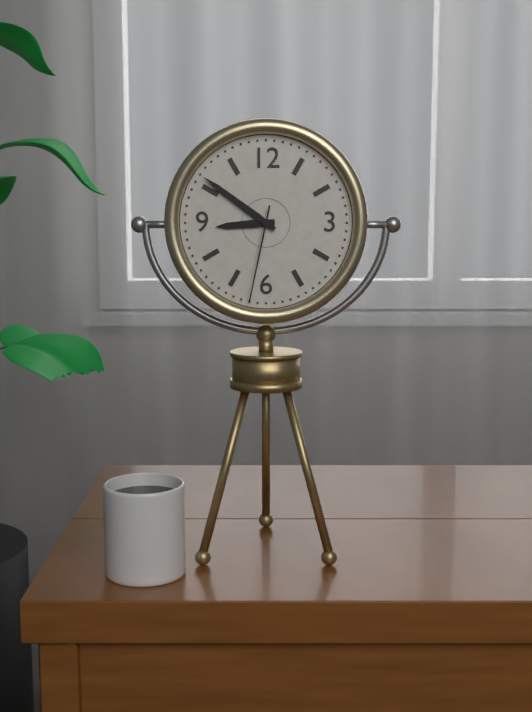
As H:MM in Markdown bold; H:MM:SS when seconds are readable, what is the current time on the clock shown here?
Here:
**8:51:32**
